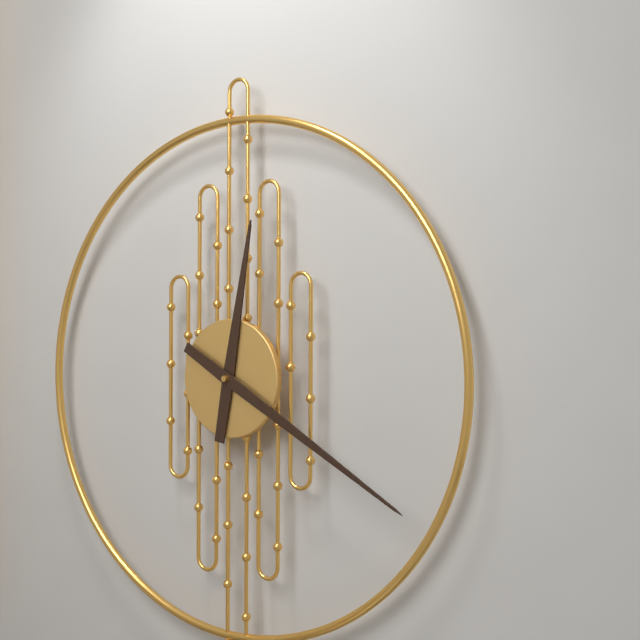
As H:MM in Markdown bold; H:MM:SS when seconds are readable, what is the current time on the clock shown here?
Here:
**12:20**
